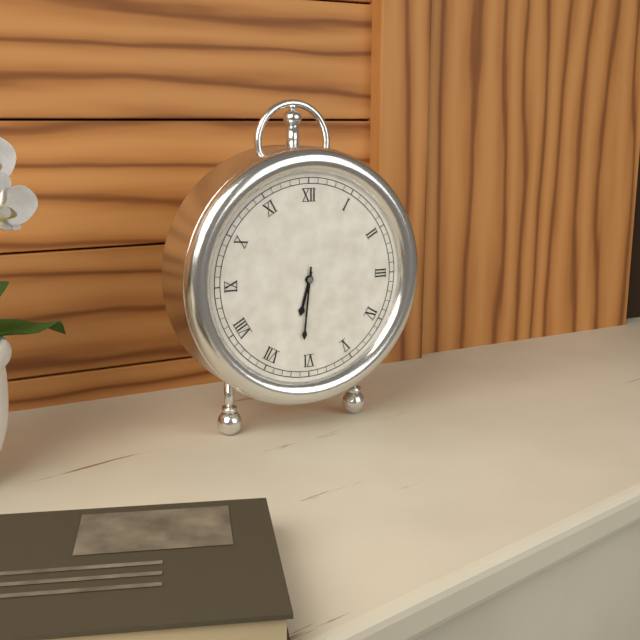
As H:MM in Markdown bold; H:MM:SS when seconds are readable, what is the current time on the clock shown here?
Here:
**6:31**
